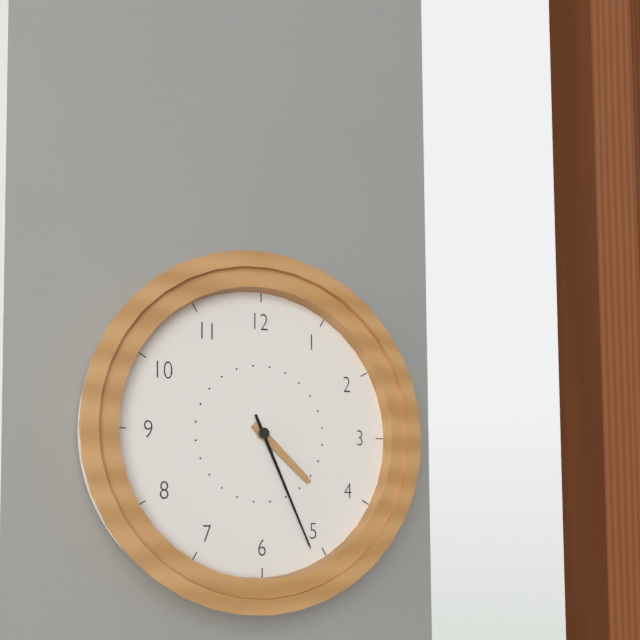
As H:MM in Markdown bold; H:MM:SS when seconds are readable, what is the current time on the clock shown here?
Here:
**4:26**
